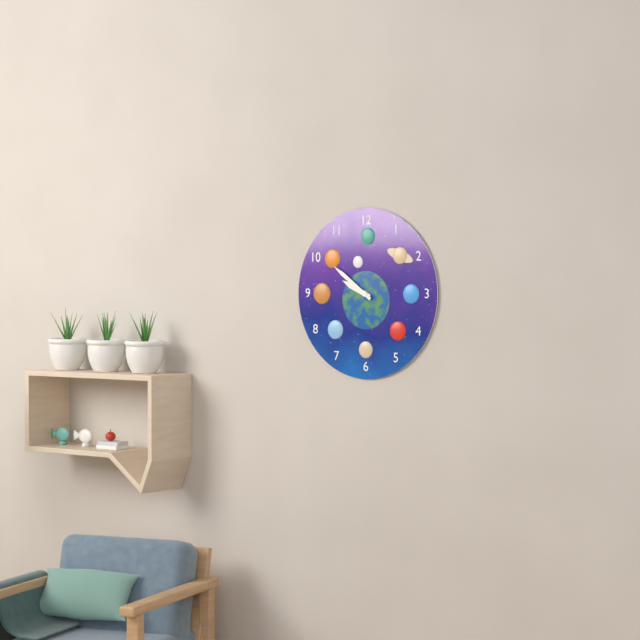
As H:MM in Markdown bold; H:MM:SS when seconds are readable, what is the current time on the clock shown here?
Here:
**9:51**
